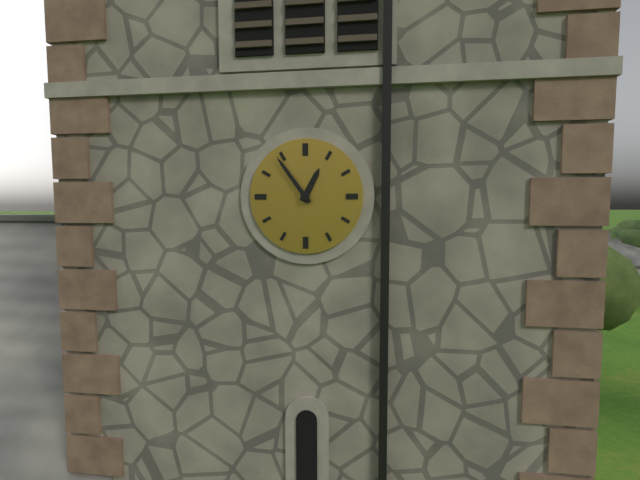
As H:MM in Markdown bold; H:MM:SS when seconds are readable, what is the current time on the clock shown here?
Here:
**12:54**
